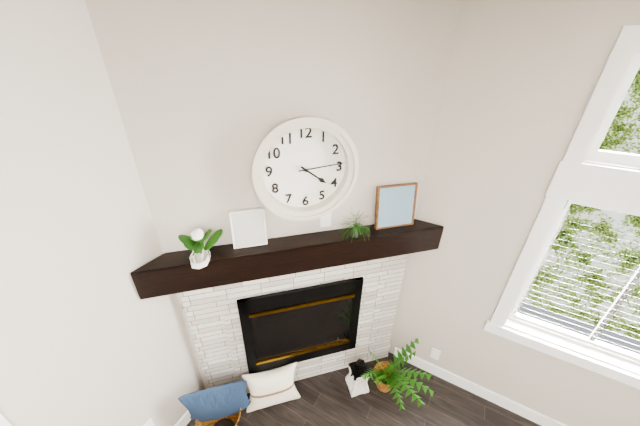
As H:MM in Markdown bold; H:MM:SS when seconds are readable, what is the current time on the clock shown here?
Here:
**4:14**
